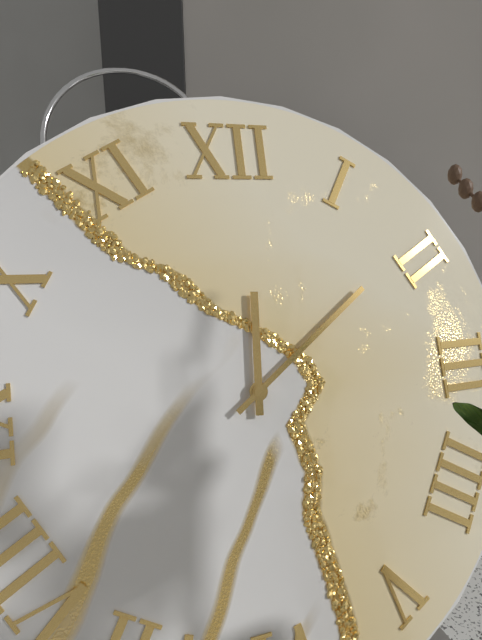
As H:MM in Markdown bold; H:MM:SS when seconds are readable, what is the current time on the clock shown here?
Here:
**12:09**
